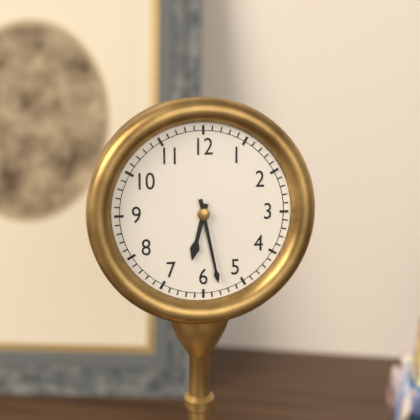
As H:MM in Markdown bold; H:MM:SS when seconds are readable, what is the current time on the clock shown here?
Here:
**6:28**
